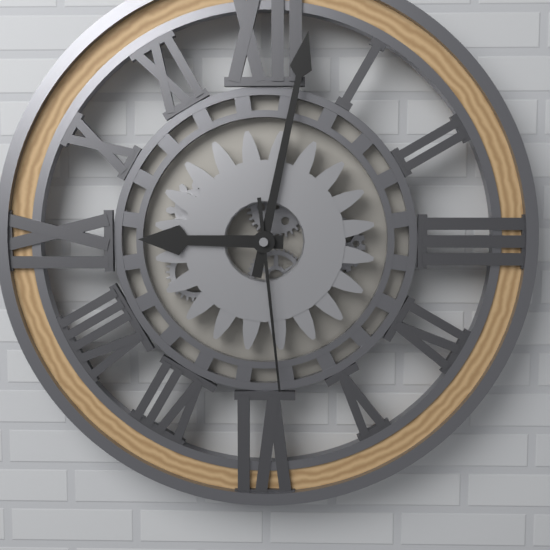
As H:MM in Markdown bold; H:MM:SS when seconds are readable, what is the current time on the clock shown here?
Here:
**9:02:29**
